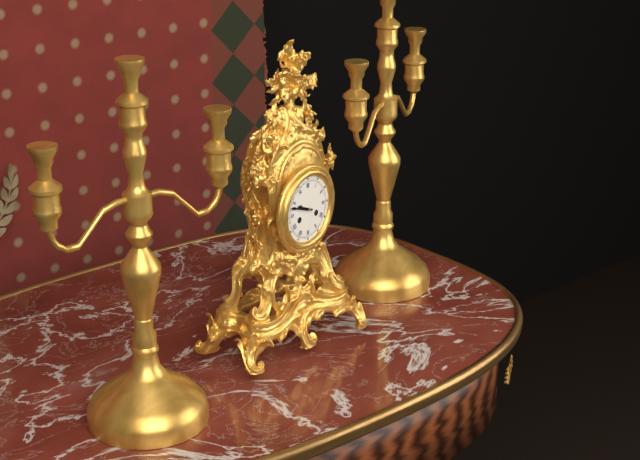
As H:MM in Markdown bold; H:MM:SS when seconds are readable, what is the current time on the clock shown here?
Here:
**9:48**
